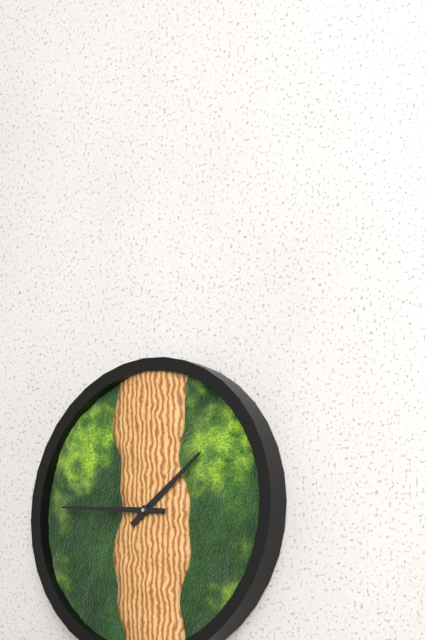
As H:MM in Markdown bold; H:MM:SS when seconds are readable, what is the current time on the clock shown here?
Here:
**1:46**
